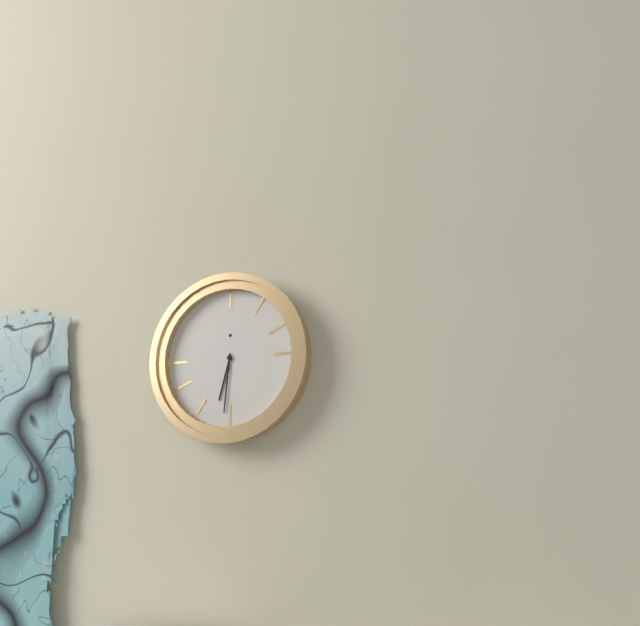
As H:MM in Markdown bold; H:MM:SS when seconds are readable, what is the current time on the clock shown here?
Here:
**6:31**
